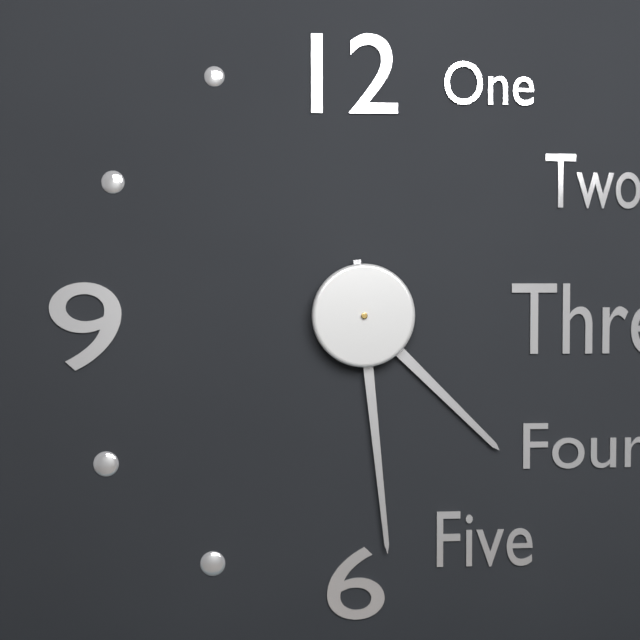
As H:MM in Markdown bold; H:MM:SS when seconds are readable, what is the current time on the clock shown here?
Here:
**4:29**
